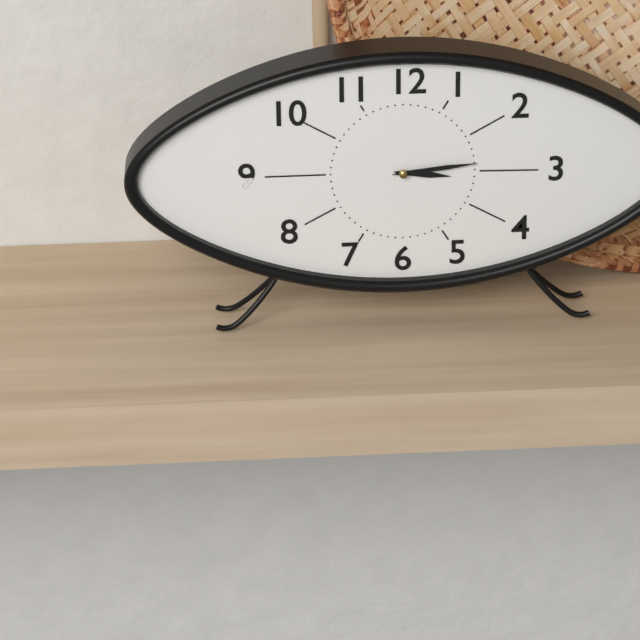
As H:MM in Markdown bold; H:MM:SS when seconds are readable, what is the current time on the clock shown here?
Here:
**3:14**
